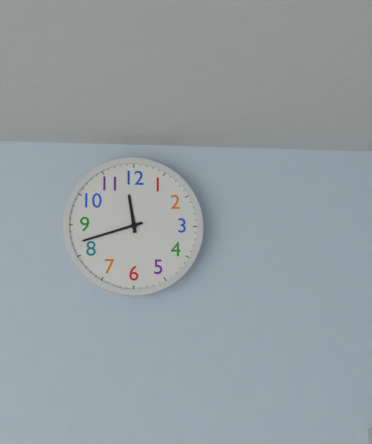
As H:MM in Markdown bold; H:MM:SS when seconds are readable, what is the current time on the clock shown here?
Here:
**11:42**
